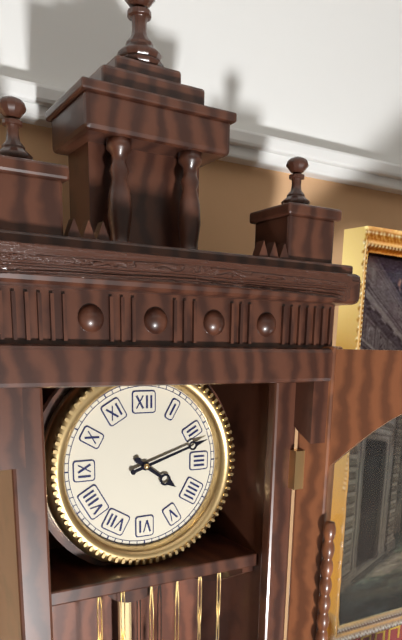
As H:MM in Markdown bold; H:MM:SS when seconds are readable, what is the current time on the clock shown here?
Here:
**4:12**
